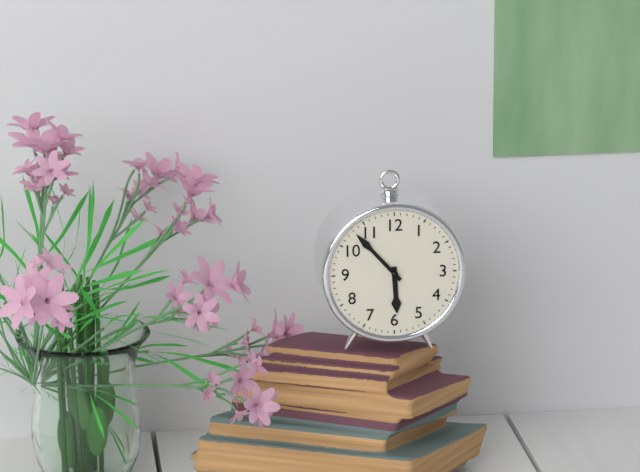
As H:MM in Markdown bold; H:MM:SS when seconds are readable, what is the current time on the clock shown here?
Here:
**5:53**
